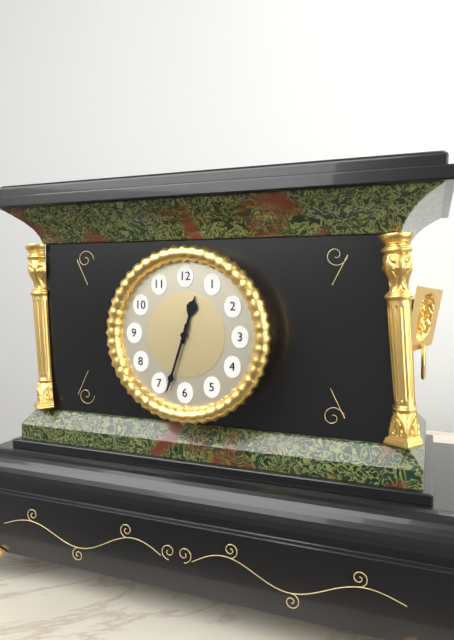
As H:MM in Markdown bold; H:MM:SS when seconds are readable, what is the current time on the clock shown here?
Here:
**12:33**
